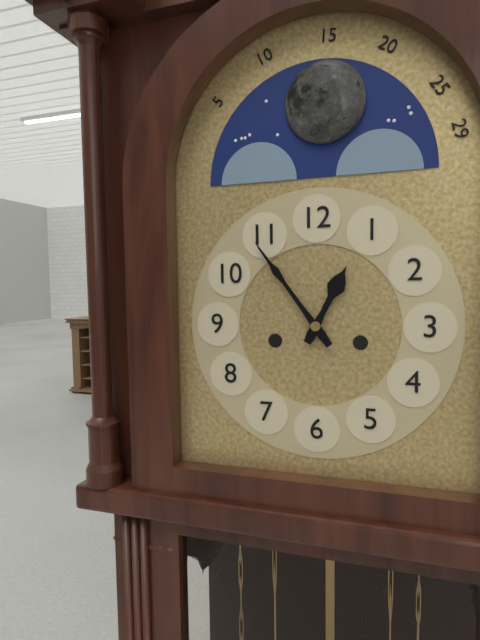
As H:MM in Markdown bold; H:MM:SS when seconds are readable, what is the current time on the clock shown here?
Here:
**12:54**
